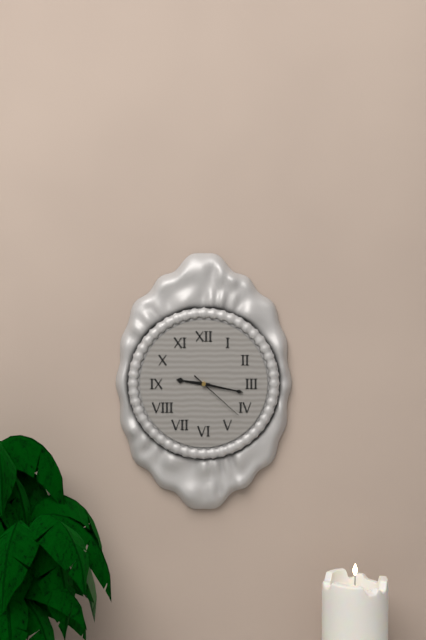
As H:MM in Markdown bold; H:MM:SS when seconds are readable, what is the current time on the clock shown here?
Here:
**9:17:22**
